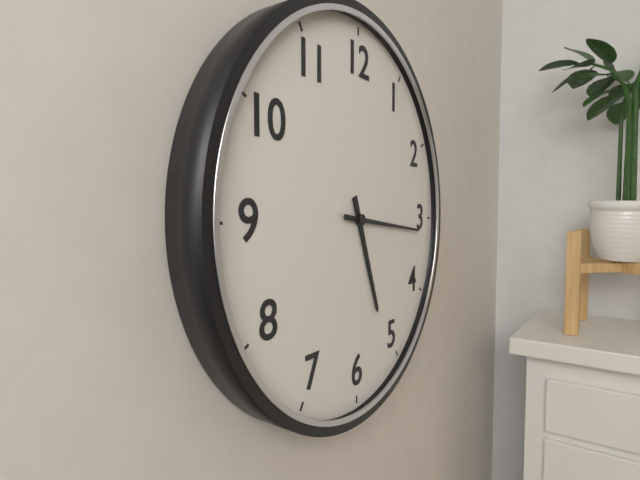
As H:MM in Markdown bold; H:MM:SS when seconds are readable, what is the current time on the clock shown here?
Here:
**5:16**
